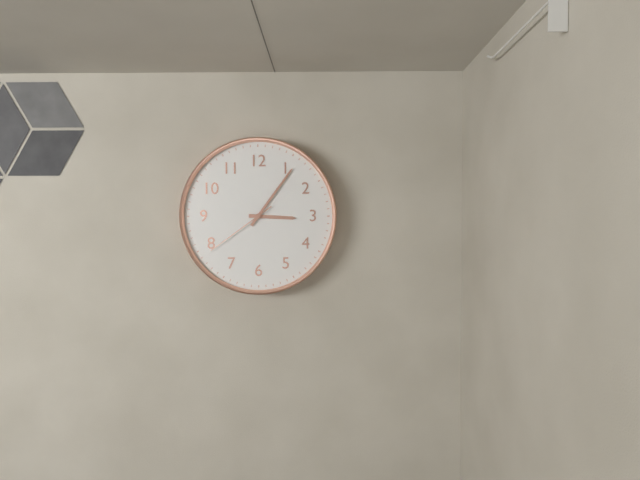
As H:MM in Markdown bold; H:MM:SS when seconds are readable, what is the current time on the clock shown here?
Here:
**3:06:39**
